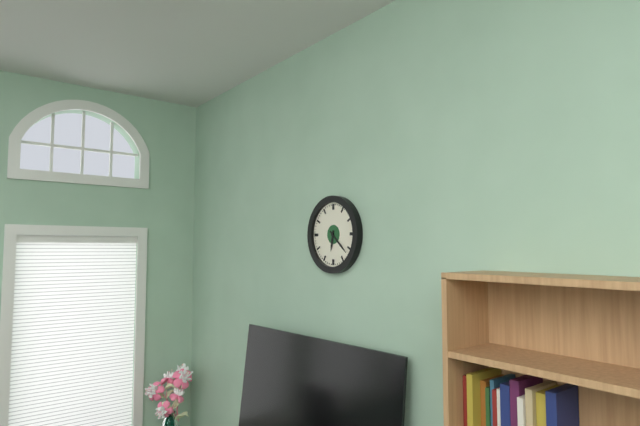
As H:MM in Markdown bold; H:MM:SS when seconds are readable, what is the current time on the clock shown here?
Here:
**6:22**
